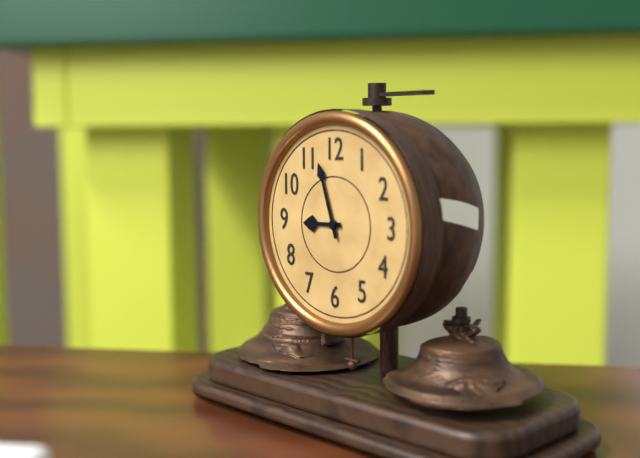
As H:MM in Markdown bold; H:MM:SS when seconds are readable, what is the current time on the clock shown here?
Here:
**8:57**
